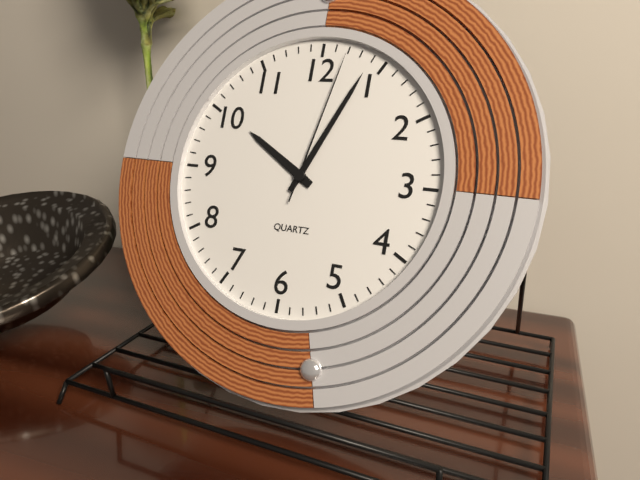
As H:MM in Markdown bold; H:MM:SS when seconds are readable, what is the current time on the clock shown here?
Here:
**10:04:02**
